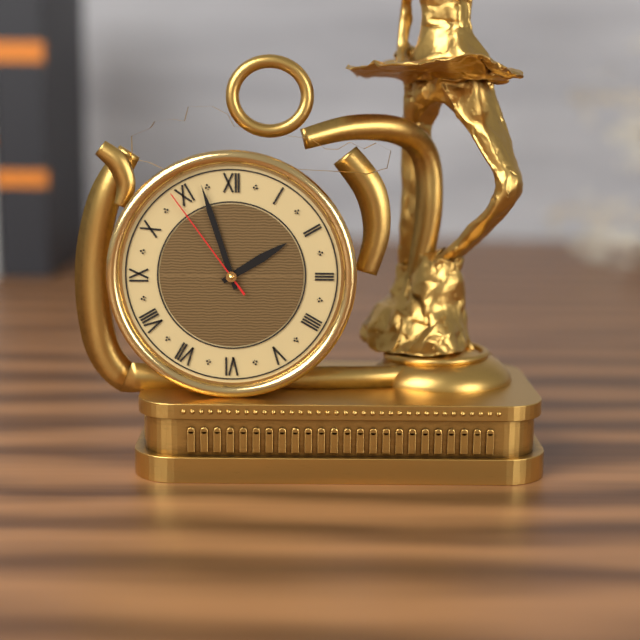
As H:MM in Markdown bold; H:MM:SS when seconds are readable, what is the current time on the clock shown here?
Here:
**1:57:54**
